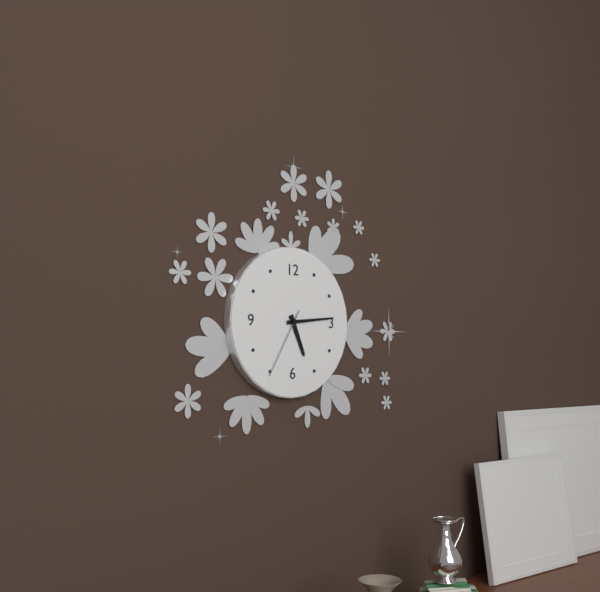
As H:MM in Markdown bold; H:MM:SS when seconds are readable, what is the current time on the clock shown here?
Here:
**5:14:35**
